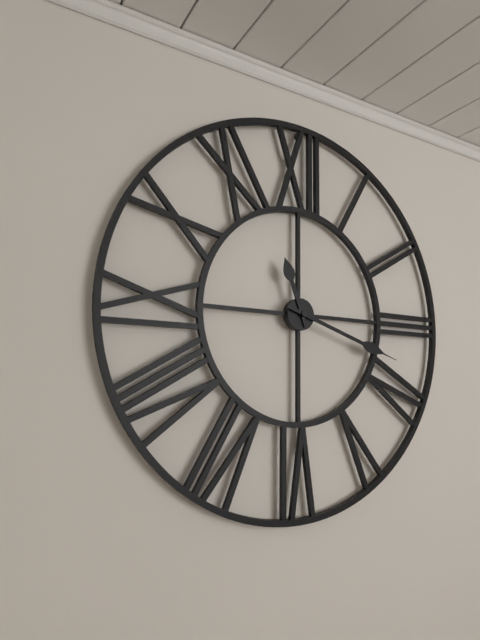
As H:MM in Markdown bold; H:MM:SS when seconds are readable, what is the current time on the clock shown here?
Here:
**11:18**
